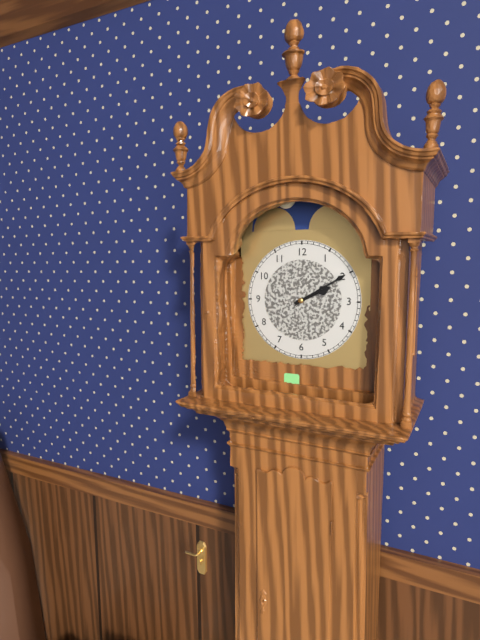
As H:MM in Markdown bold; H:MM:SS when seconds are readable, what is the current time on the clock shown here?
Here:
**2:10**
